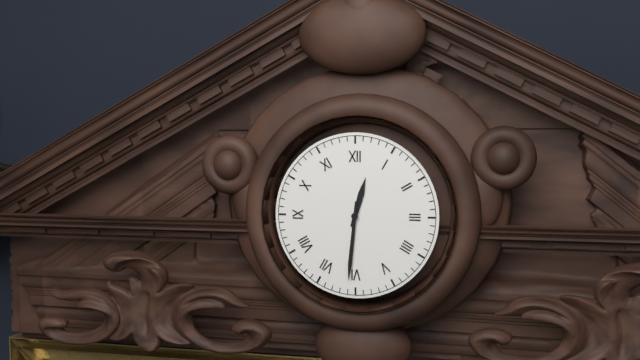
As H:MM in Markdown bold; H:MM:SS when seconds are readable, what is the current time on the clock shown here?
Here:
**12:31**
